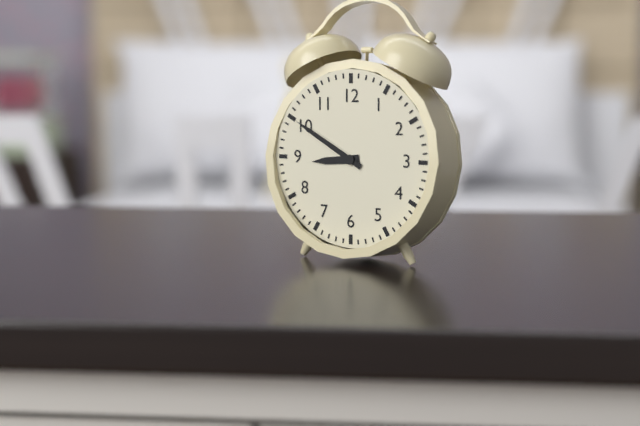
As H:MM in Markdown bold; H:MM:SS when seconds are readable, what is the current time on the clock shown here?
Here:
**8:50**
